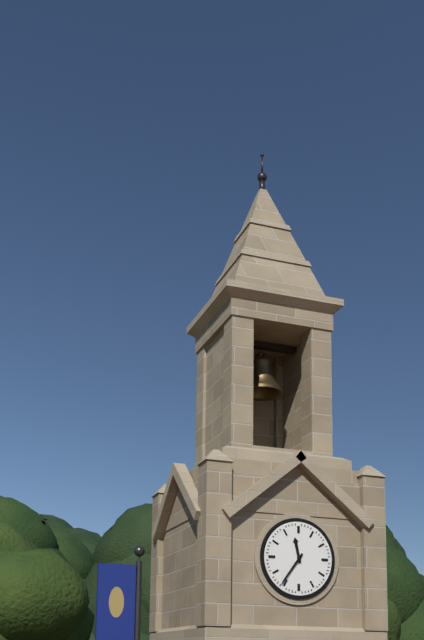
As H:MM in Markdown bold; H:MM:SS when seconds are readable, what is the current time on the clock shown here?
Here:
**11:36**
